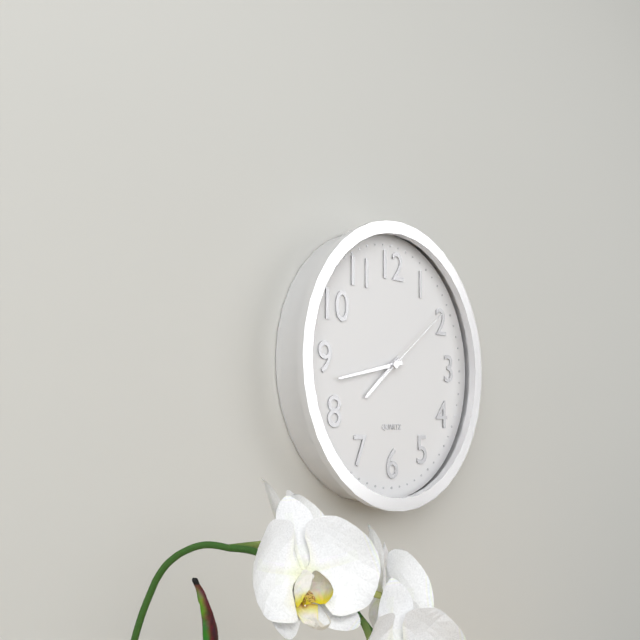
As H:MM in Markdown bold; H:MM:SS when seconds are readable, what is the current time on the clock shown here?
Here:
**7:43:09**
